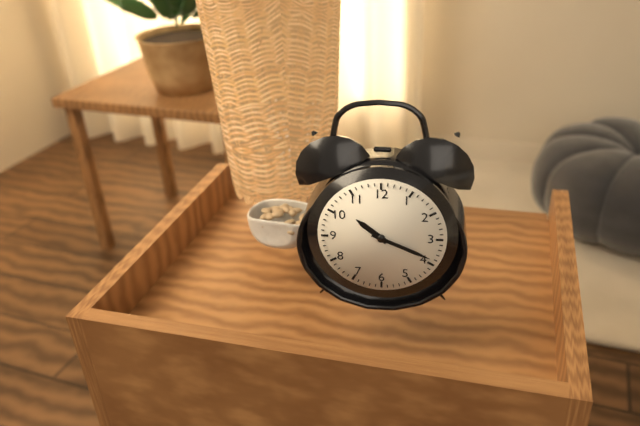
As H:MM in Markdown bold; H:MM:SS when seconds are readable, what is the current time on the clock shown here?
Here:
**10:19**
